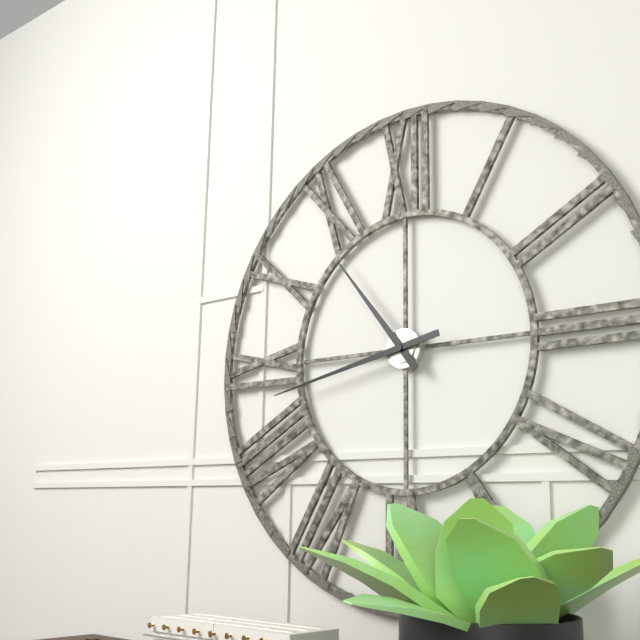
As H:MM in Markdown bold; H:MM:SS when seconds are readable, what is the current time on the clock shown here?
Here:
**10:43**
